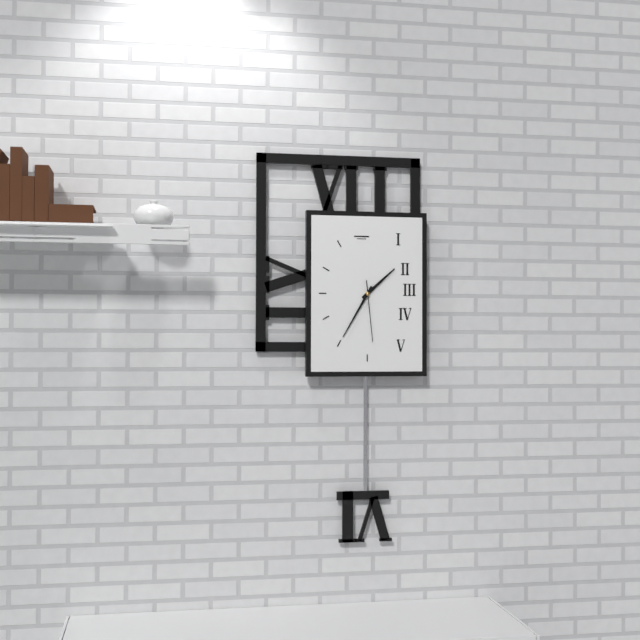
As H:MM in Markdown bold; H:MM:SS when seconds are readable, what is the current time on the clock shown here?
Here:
**1:35:29**
